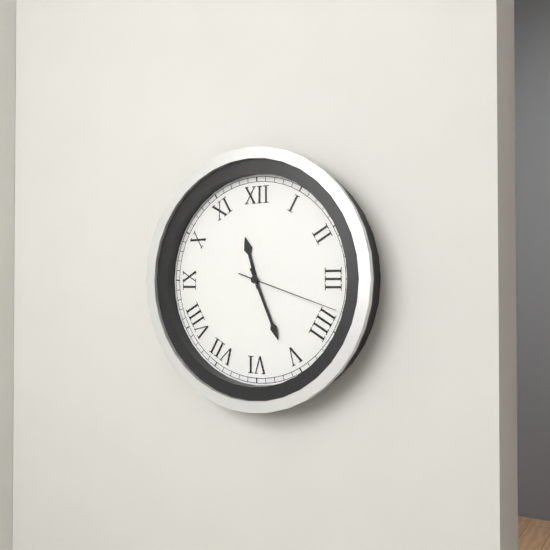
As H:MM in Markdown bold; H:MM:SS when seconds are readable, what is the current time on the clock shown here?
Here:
**11:26:18**
